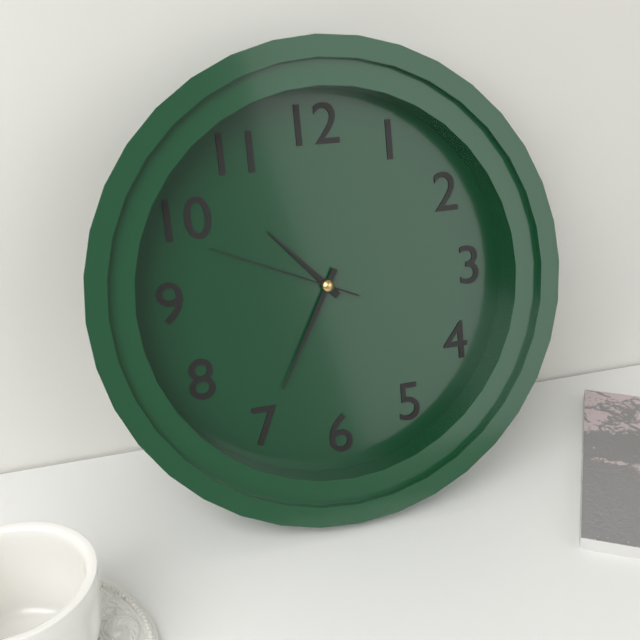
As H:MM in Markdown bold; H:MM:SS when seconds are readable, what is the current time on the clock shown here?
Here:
**10:35:49**
